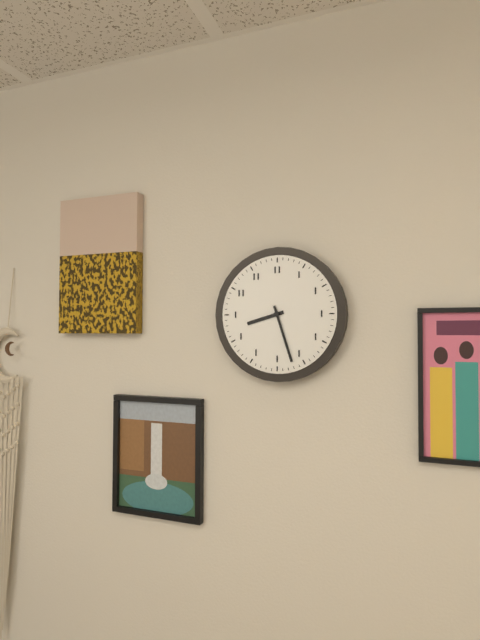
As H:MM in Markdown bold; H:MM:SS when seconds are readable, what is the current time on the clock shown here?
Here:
**8:27**
